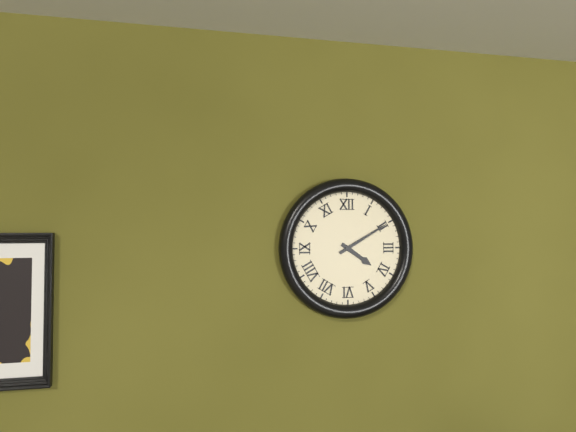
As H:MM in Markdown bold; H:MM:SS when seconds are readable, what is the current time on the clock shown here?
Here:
**4:10**
